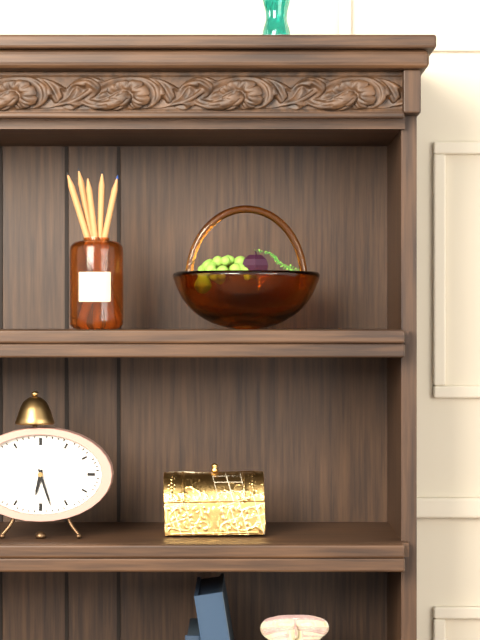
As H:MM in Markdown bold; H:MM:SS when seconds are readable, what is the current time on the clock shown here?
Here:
**6:27**
